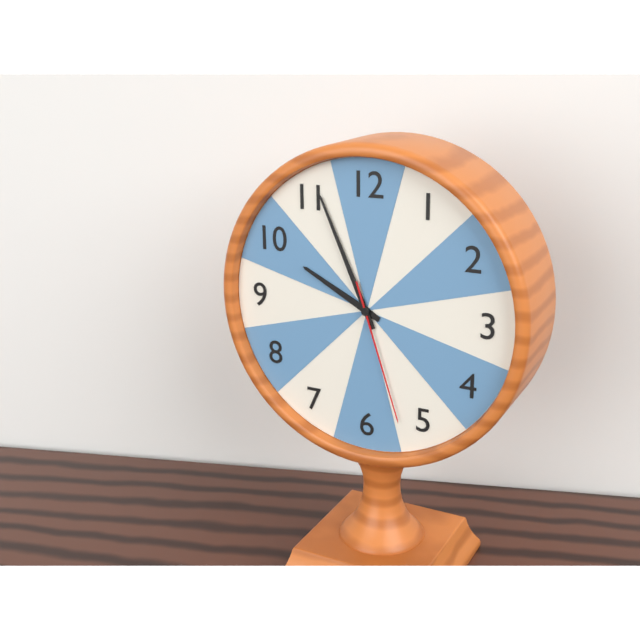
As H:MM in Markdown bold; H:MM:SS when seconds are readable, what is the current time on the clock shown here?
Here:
**9:56:27**
